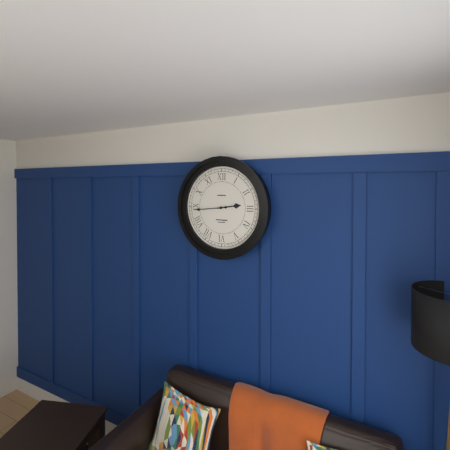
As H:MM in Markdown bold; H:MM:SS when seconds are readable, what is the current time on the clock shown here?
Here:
**2:44**
